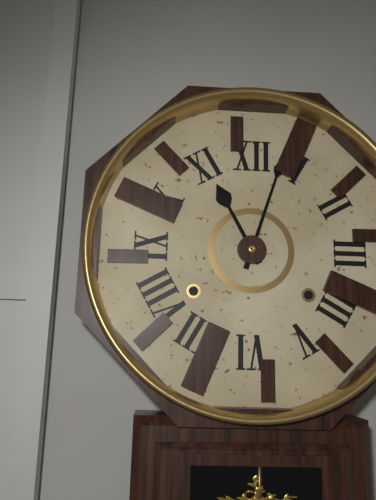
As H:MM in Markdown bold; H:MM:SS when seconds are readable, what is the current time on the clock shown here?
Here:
**11:03**
